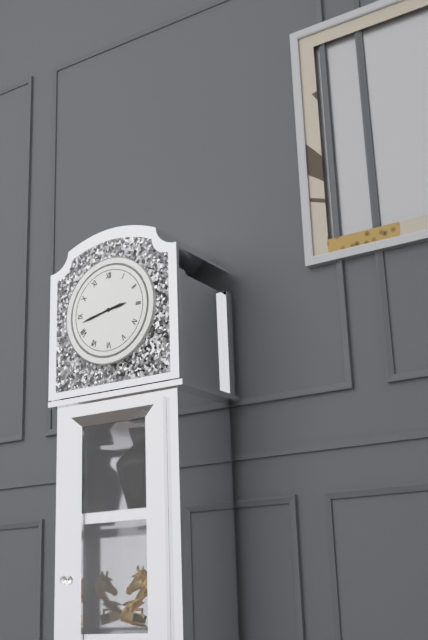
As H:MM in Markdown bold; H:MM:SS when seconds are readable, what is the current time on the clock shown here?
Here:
**2:43**
